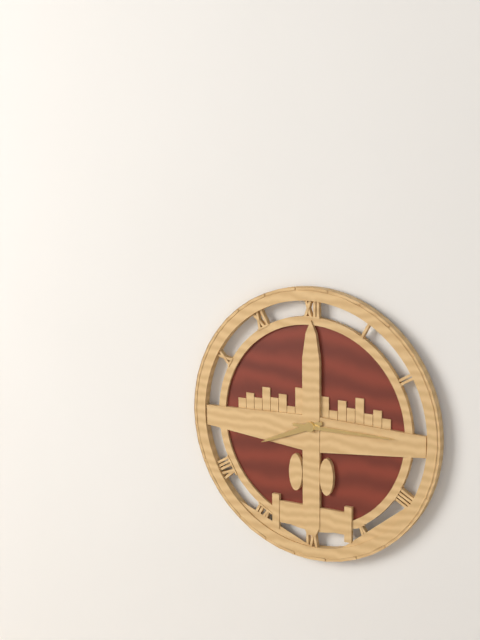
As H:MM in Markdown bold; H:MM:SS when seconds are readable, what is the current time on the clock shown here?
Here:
**8:15**
